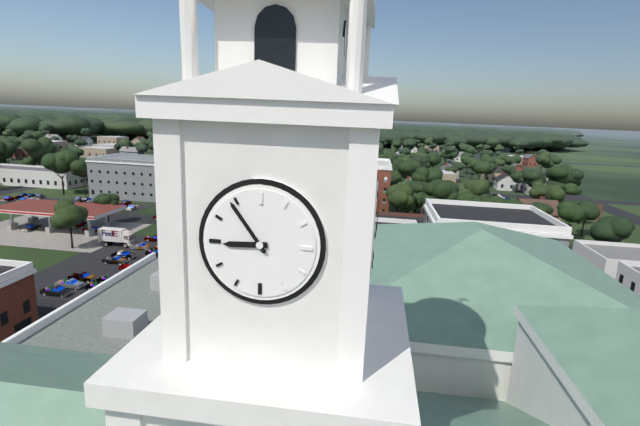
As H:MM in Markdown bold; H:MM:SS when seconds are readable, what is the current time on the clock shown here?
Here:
**8:54**
